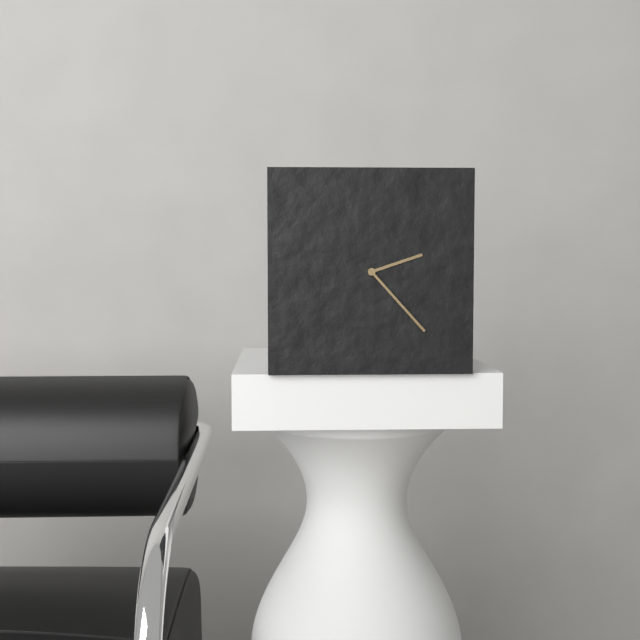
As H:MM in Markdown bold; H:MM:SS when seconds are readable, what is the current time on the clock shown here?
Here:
**2:23**
